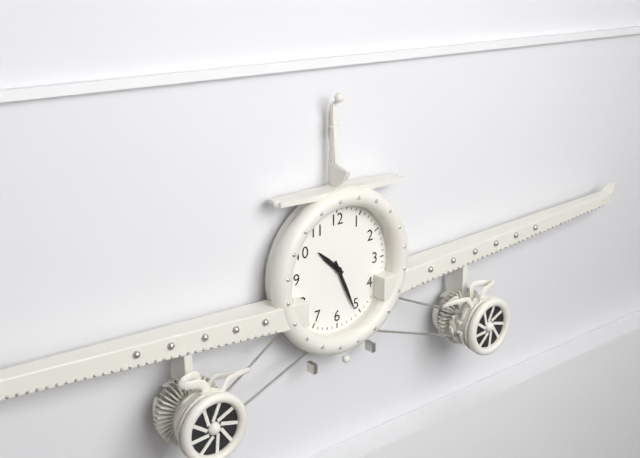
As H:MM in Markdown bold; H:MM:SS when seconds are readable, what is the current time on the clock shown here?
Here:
**10:26**
